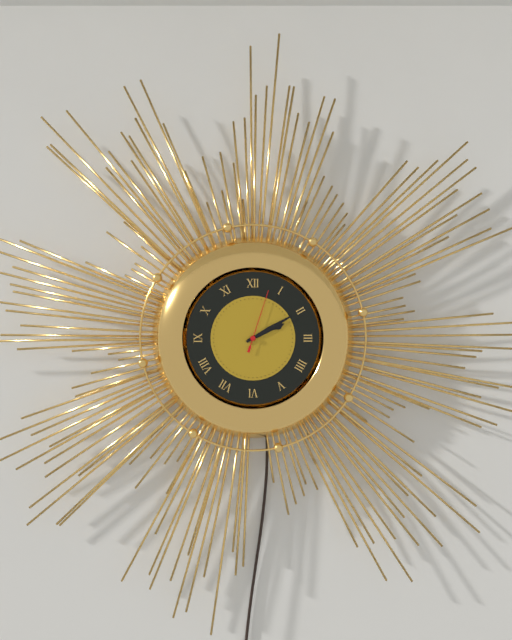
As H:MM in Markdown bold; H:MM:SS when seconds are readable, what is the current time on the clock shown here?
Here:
**2:10:03**
